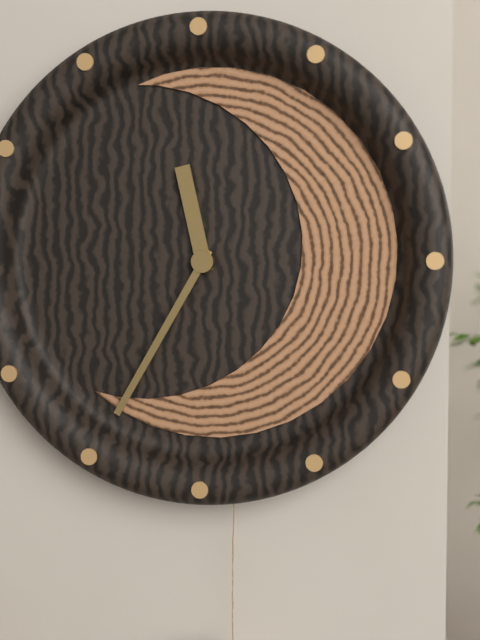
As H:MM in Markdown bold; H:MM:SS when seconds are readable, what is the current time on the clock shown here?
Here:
**11:35**
